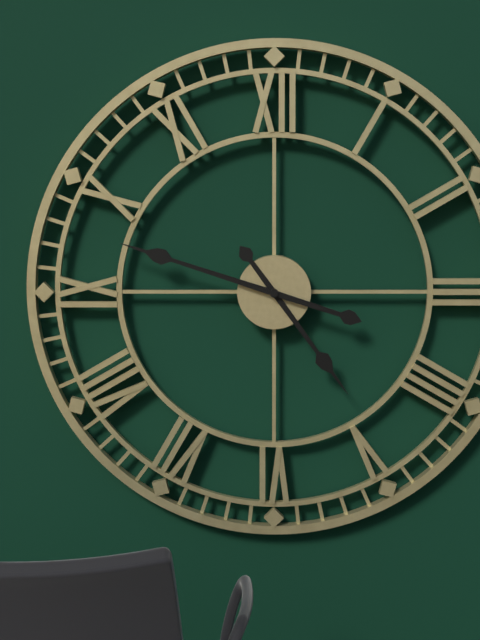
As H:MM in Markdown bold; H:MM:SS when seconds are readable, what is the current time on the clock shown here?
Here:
**4:48**
